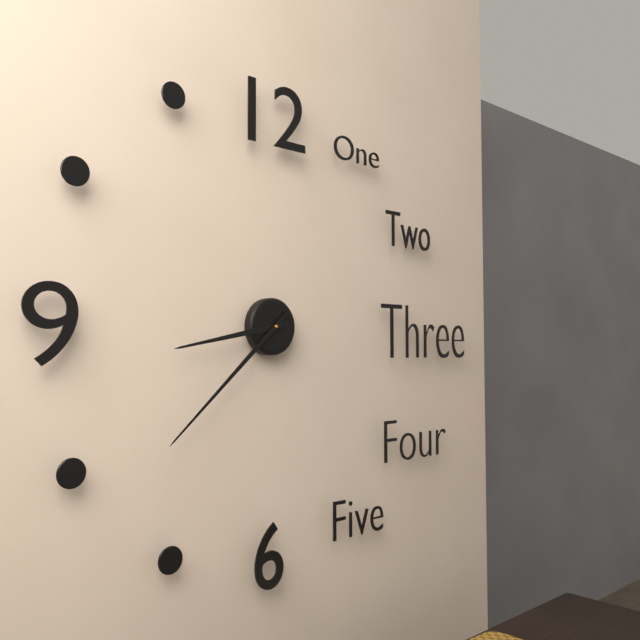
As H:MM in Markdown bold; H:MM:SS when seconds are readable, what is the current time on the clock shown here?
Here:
**8:38**
